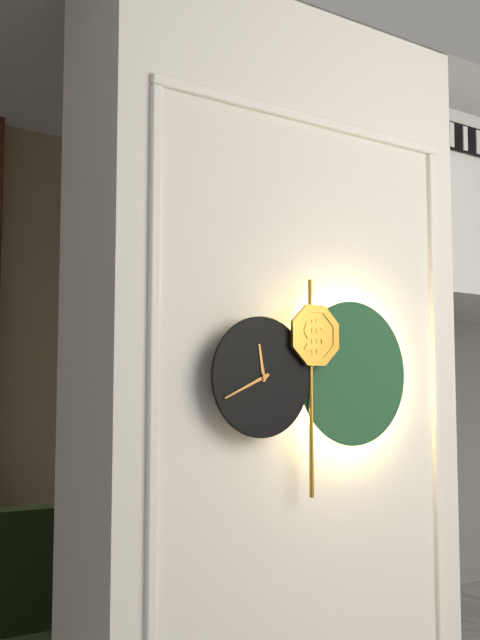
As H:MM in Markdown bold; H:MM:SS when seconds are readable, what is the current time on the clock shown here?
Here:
**11:41**
